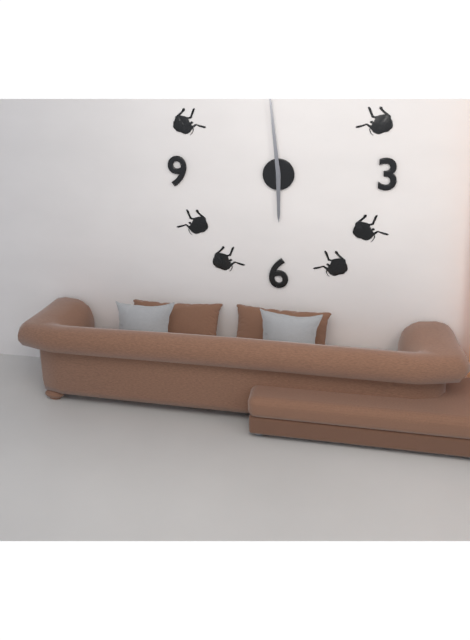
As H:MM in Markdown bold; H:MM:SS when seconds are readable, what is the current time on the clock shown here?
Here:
**5:59**
